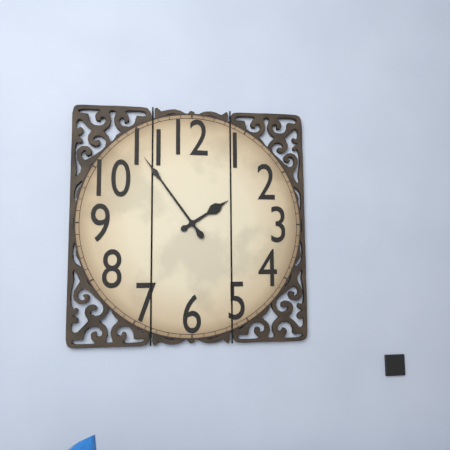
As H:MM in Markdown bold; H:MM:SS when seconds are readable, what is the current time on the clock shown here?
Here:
**1:54**
